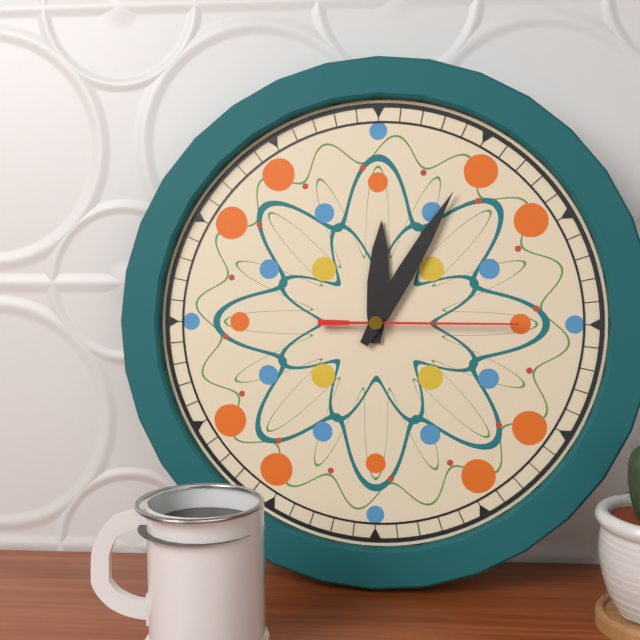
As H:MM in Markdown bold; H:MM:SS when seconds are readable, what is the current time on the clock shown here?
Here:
**12:05:15**
